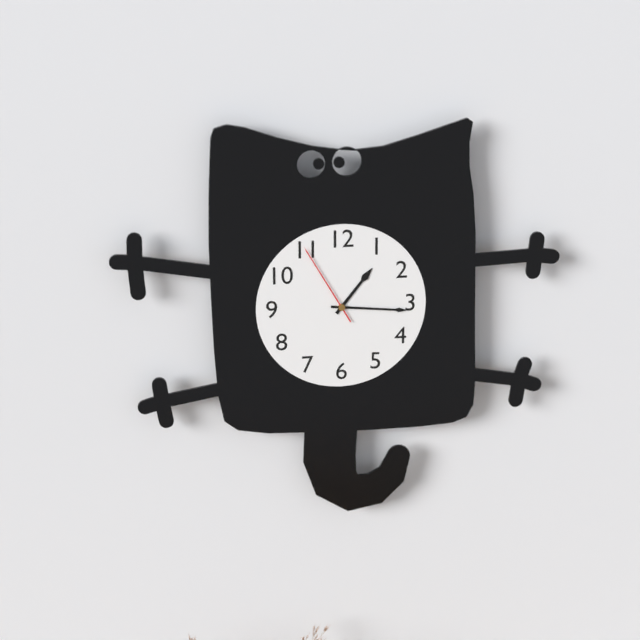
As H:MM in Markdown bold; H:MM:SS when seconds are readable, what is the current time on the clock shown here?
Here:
**1:16:55**
